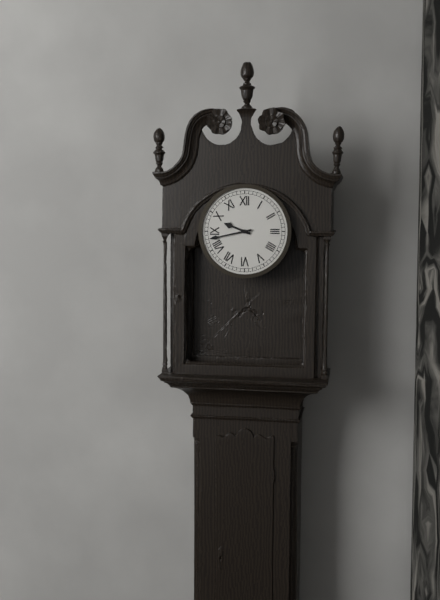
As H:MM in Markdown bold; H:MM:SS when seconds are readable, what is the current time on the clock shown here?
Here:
**9:43**
